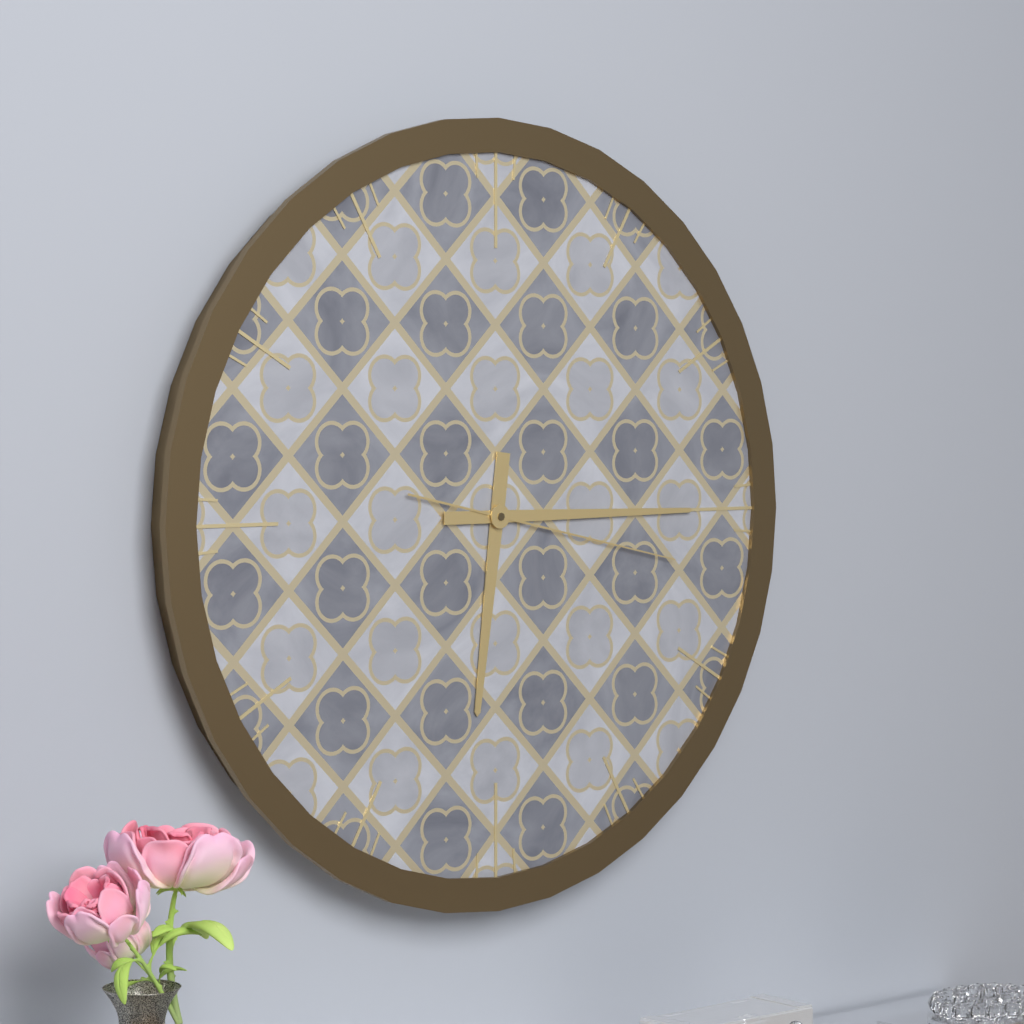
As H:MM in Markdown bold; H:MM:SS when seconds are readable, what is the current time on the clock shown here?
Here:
**6:15:17**
